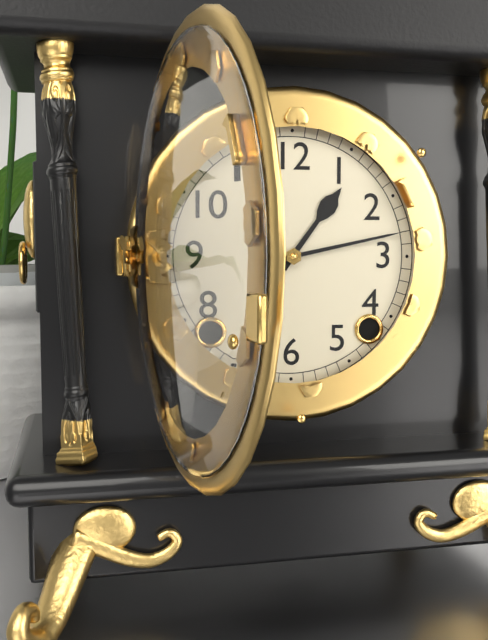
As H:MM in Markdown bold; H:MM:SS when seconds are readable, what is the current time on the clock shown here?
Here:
**1:13**
